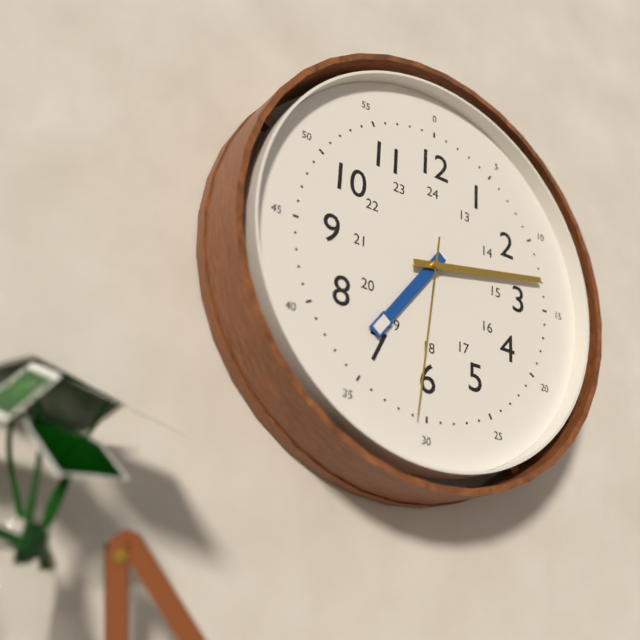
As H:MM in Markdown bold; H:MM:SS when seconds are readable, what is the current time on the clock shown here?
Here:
**7:13:31**
